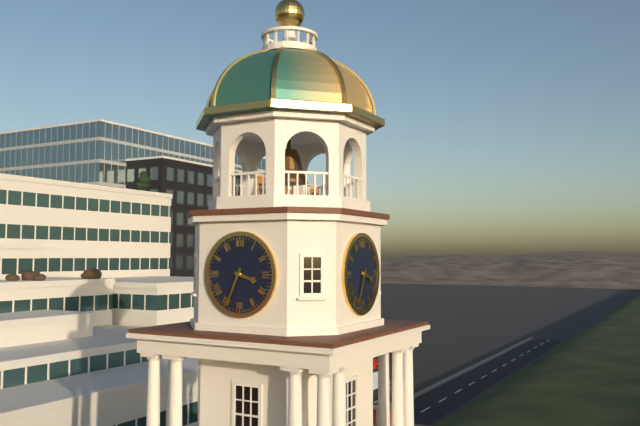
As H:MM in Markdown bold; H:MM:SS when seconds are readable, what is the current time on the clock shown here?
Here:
**3:34**
